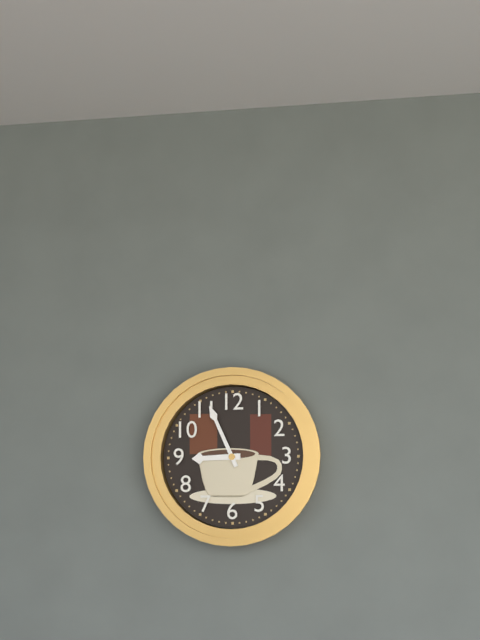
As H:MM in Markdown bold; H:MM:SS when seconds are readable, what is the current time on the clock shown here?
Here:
**8:56**
